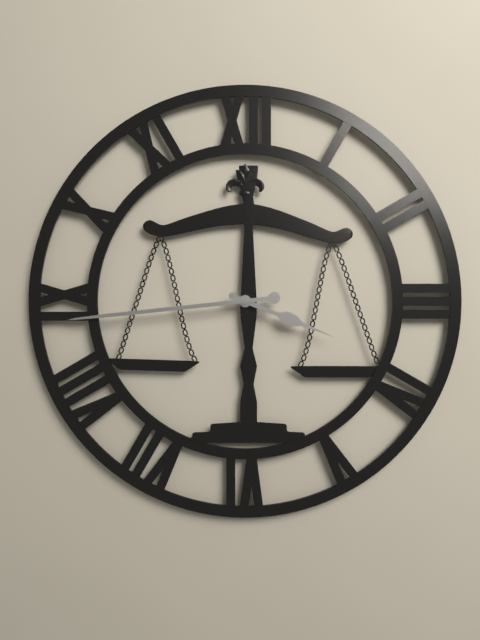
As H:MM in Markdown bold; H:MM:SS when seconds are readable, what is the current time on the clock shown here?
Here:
**3:44**
